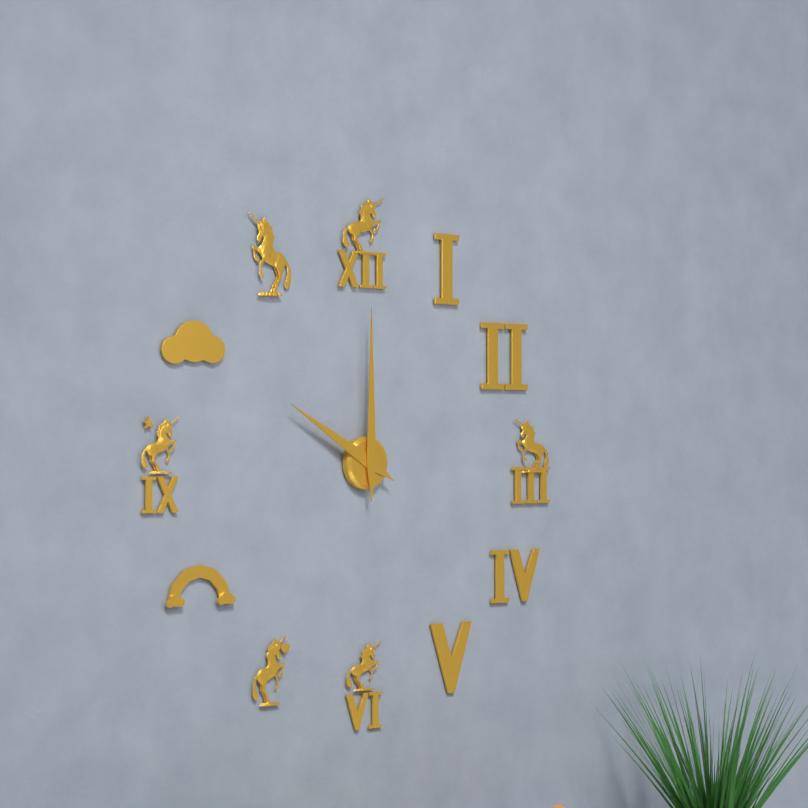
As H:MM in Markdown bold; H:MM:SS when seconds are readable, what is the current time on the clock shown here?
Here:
**10:00**
